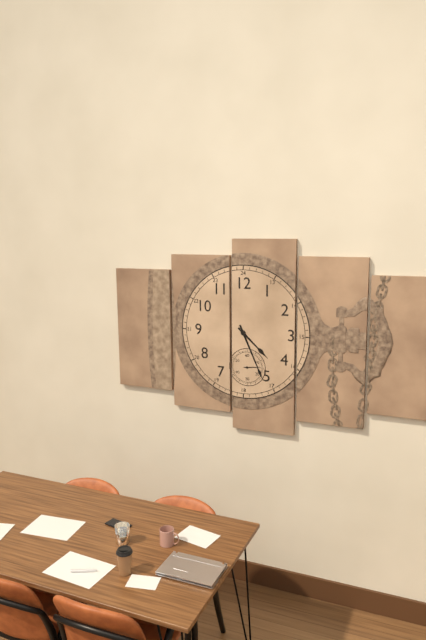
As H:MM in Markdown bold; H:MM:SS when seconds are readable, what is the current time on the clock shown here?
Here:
**4:26**
